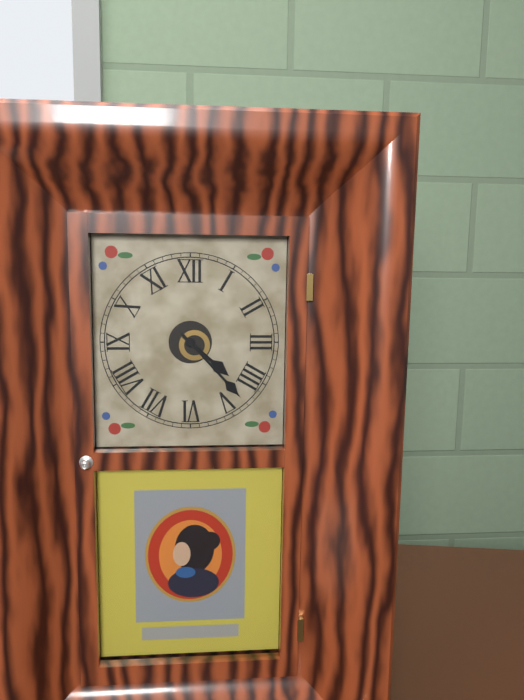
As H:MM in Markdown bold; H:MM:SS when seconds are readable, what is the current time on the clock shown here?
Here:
**4:23**
